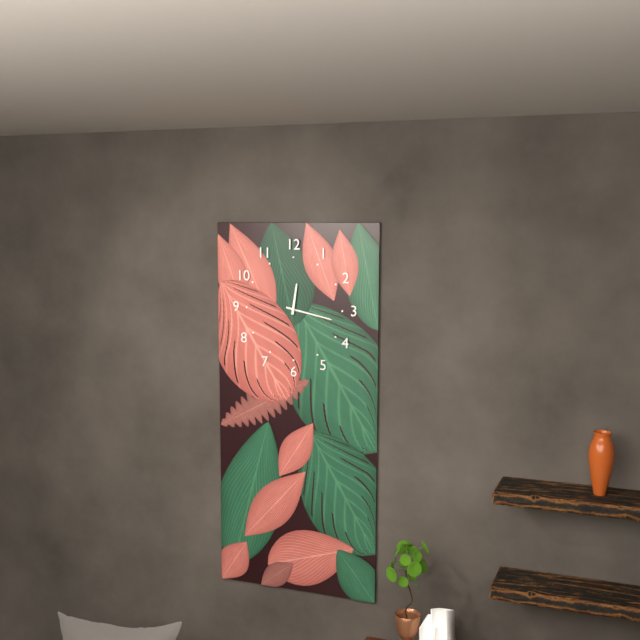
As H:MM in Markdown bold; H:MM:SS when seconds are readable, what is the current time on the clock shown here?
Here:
**12:17**
